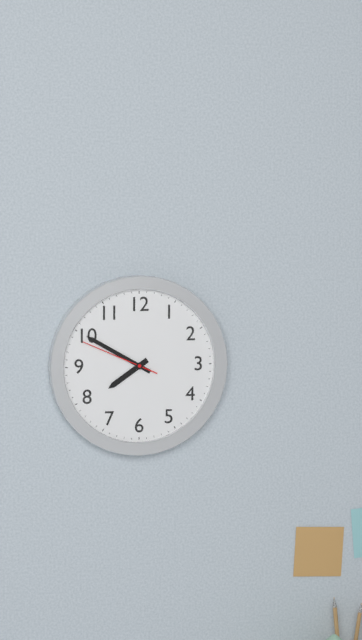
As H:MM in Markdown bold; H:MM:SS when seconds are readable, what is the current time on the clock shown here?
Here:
**7:50:49**
